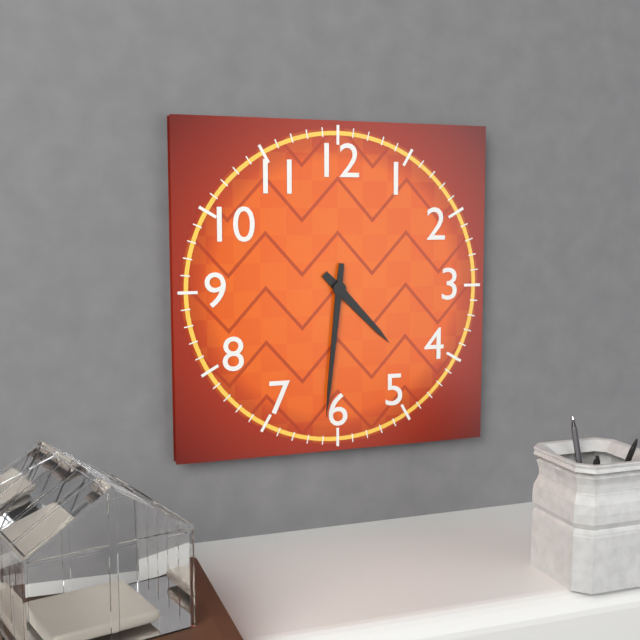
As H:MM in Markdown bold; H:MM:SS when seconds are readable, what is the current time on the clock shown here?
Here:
**4:31**
